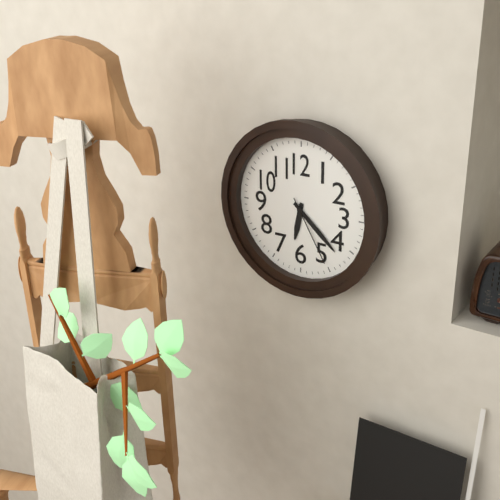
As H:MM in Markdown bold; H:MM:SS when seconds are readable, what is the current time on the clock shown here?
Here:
**6:22:25**
